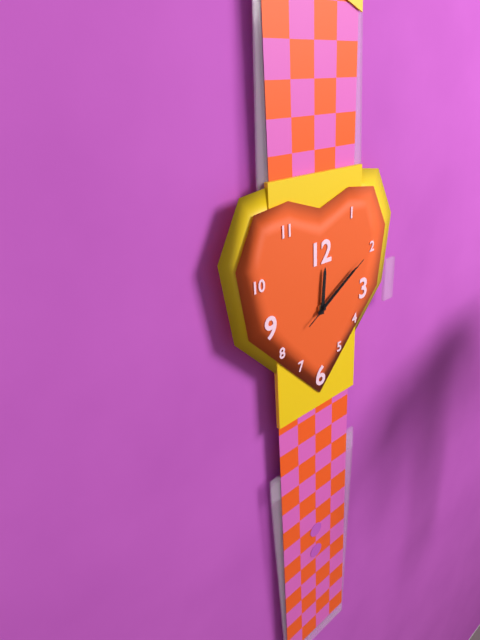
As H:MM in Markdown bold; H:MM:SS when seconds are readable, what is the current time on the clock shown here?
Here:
**12:10:10**
